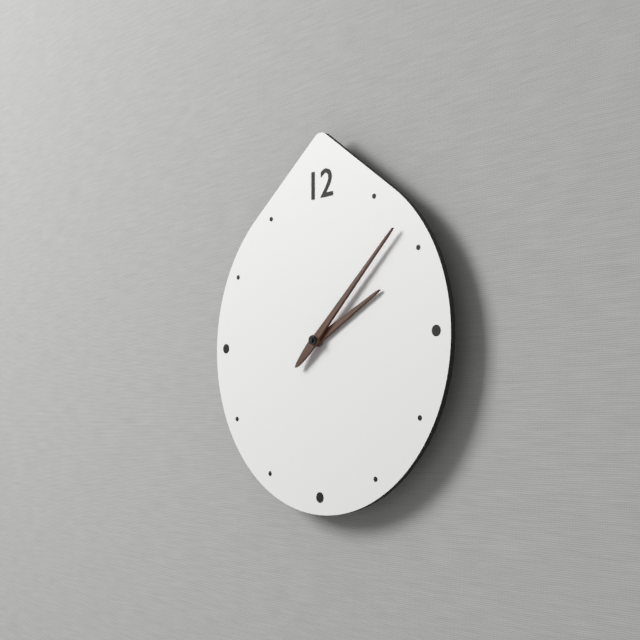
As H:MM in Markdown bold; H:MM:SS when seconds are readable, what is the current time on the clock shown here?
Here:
**2:08**
